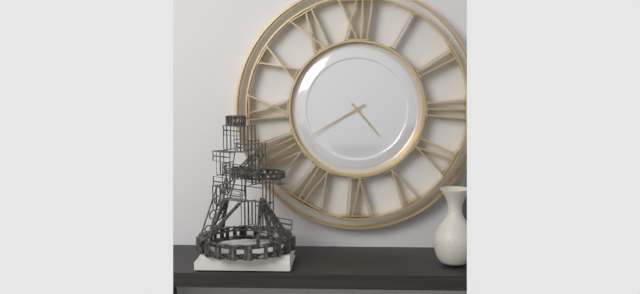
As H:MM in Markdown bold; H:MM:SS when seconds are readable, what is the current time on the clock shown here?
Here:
**4:40**
